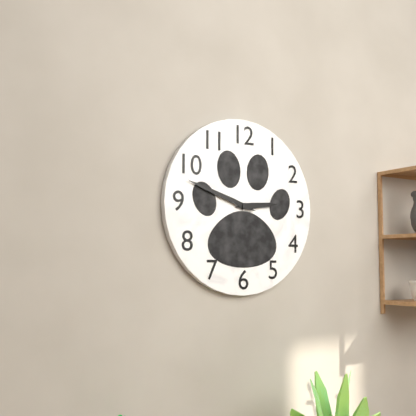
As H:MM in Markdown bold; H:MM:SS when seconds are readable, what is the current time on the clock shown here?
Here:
**2:48**
